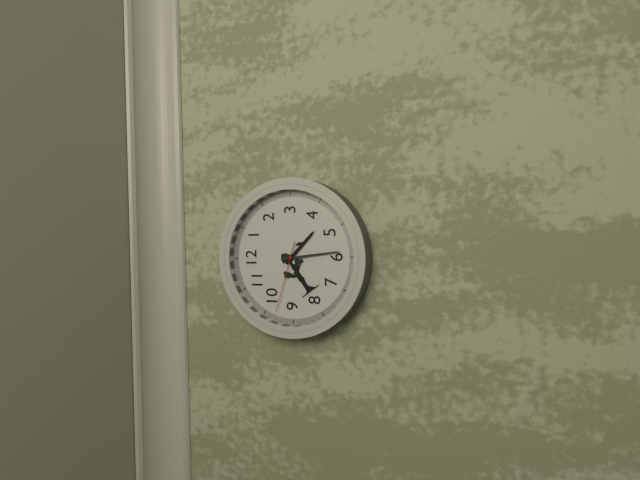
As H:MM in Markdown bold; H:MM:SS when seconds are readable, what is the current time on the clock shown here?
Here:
**4:29:48**
